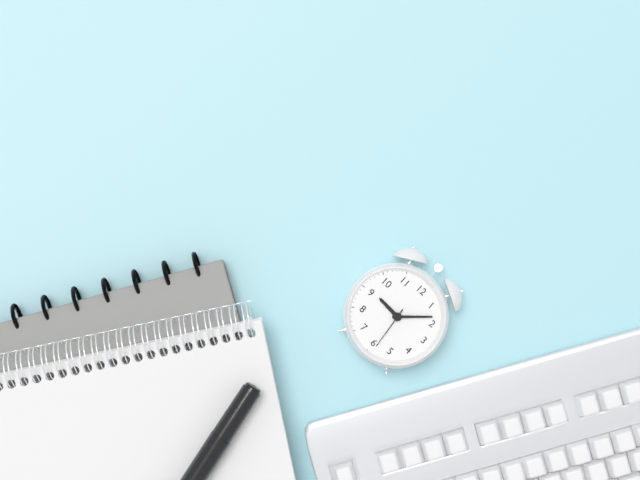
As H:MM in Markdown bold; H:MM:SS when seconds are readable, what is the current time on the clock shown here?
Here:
**9:08**
